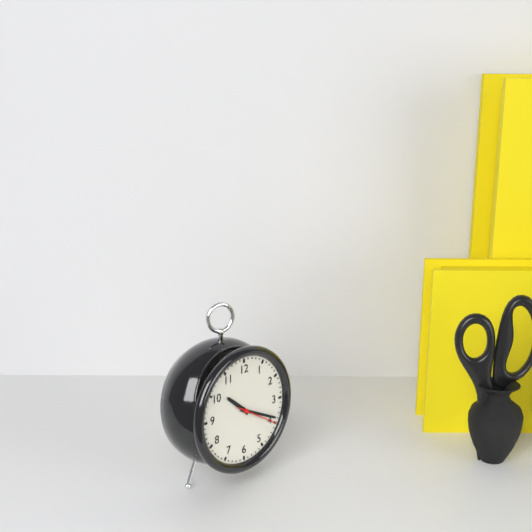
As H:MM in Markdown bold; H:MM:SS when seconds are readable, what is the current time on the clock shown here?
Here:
**10:19**
